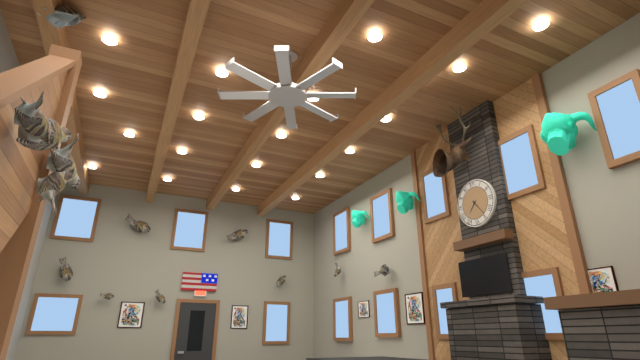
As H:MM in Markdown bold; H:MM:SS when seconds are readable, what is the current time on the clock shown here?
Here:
**7:24**
